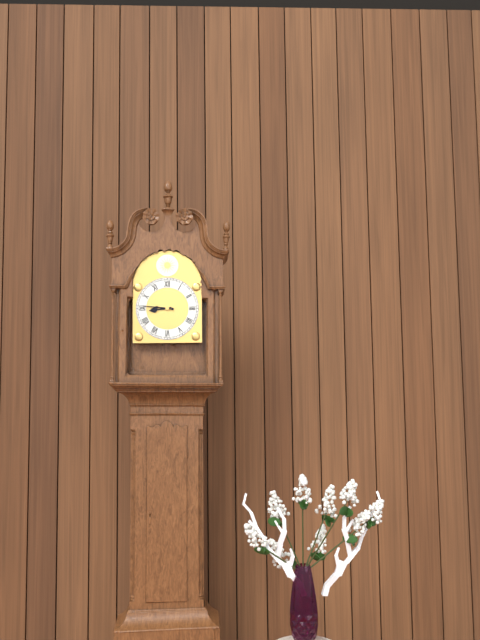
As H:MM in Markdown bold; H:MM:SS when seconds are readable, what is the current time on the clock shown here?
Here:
**8:46**
